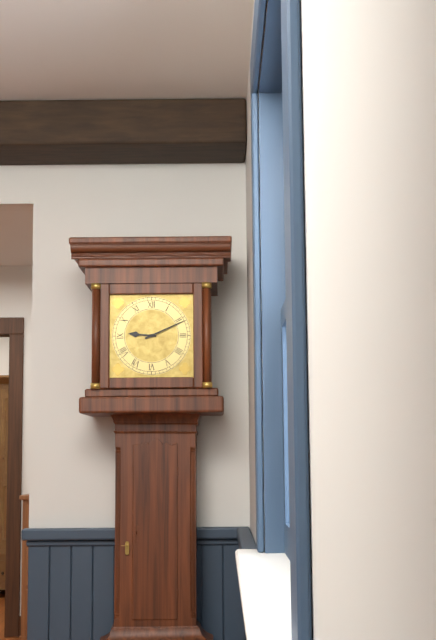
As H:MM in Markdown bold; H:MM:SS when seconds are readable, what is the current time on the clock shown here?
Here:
**9:11**
